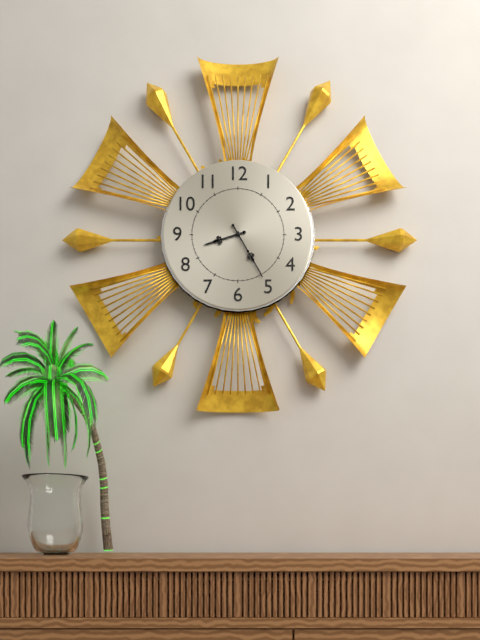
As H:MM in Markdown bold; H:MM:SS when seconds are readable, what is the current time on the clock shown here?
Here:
**8:25**
